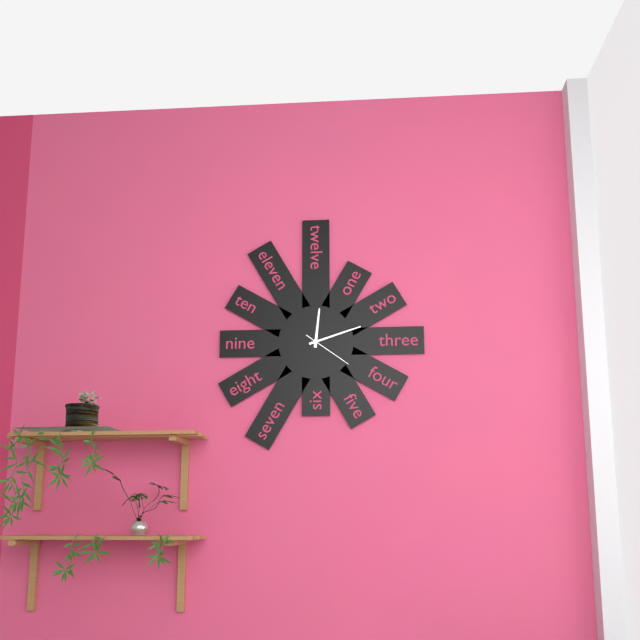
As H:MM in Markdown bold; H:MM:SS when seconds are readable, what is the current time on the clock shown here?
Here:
**12:12**
